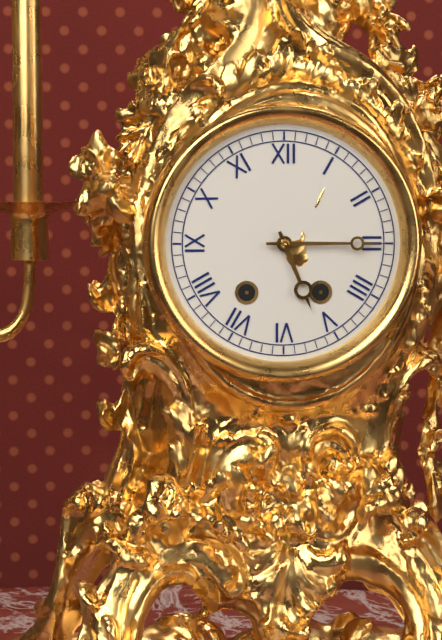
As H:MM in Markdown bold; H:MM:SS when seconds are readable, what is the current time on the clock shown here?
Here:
**5:15**
